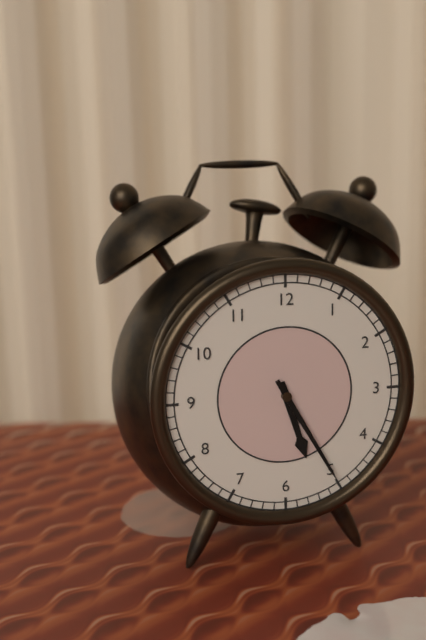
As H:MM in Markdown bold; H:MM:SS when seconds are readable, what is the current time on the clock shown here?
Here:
**5:25**
